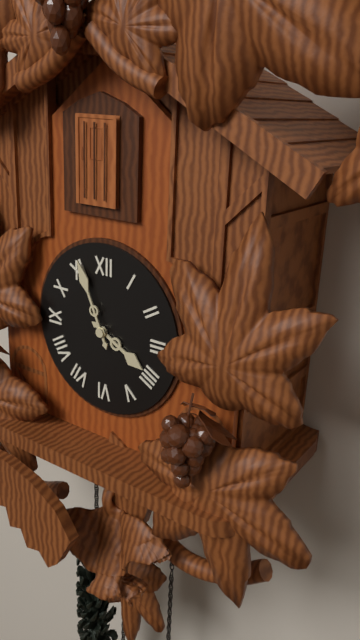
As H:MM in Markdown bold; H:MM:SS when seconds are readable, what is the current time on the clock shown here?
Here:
**3:56**
